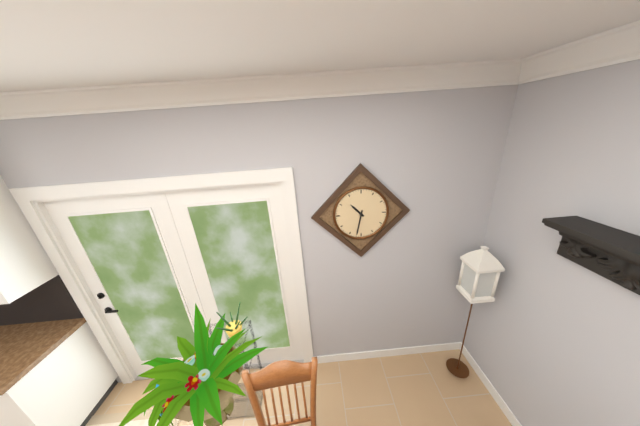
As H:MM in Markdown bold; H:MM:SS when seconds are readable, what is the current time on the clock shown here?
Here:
**10:32**
